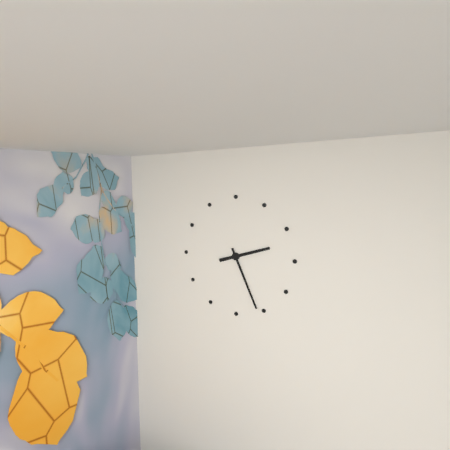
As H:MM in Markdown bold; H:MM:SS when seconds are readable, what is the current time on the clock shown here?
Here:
**2:26**
